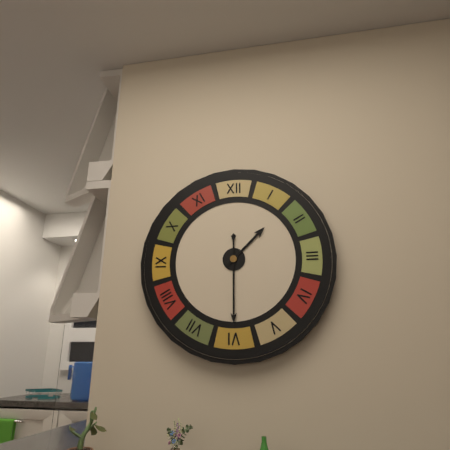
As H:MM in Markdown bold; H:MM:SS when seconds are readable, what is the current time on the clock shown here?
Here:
**1:30**
